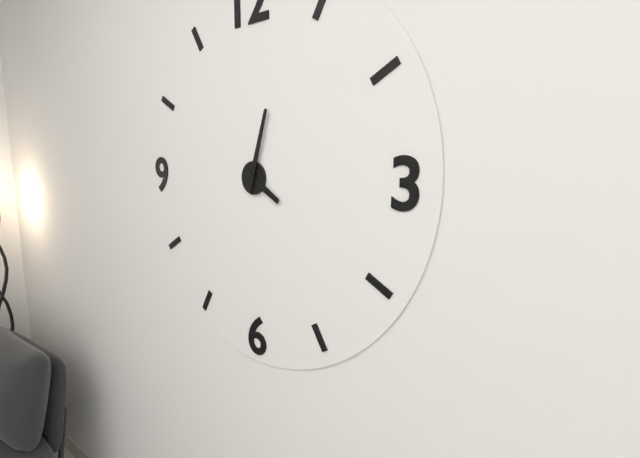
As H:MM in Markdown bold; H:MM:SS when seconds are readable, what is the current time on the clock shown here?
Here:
**4:03**
